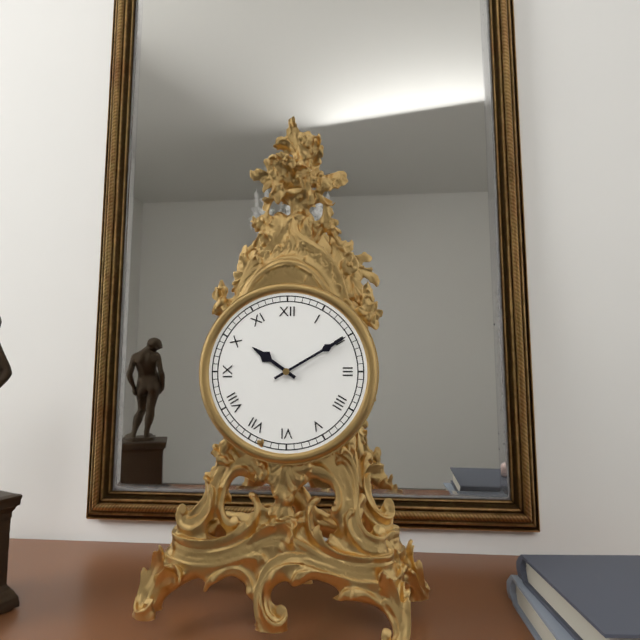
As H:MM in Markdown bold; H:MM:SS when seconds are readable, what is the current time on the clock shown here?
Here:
**10:10**
